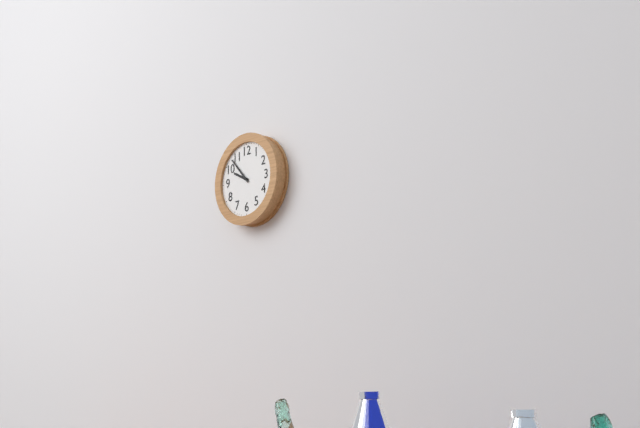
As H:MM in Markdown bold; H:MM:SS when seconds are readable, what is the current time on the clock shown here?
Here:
**9:53**
